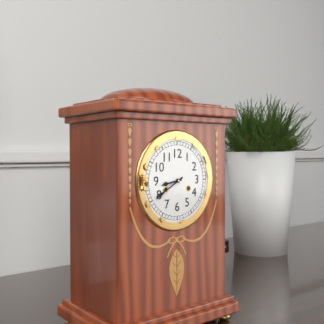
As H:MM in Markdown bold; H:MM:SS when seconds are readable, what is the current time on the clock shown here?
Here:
**8:40**
